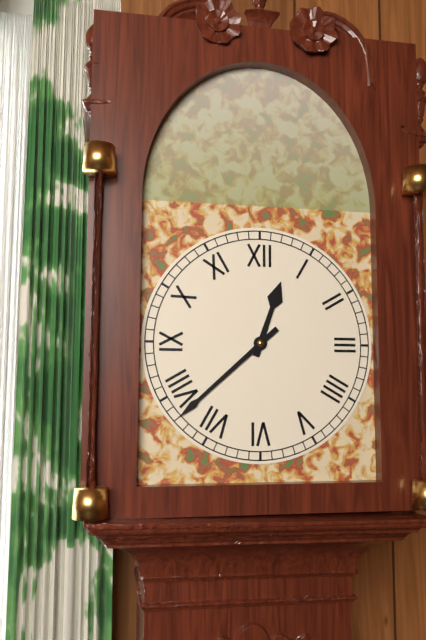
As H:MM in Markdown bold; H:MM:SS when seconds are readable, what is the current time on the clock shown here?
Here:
**12:38**
